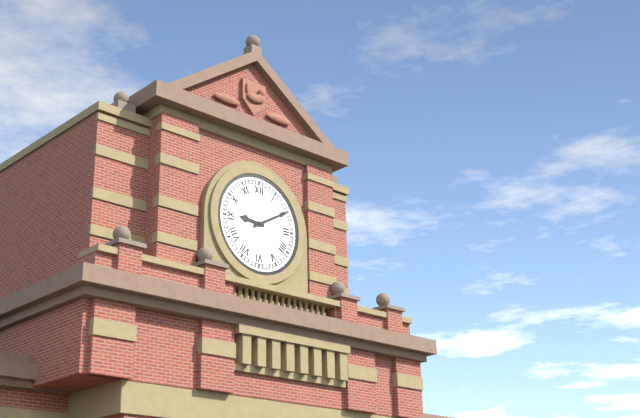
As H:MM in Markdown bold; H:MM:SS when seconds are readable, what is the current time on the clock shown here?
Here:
**9:10**
